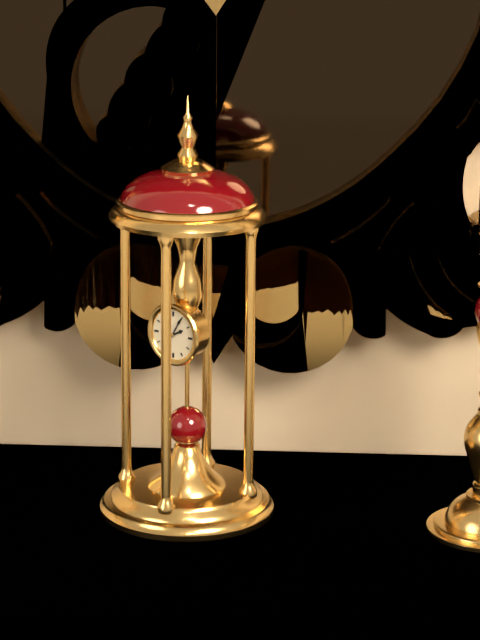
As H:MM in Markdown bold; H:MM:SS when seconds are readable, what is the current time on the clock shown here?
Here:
**2:05**
